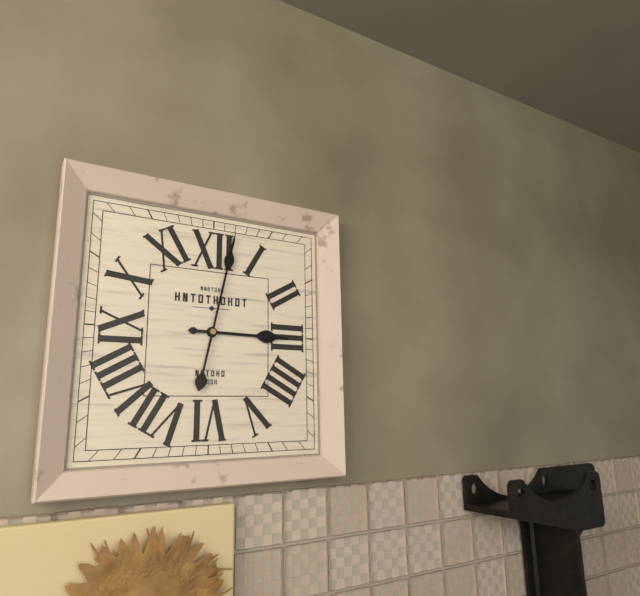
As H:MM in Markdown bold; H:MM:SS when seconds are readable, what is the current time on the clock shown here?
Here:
**3:02**
